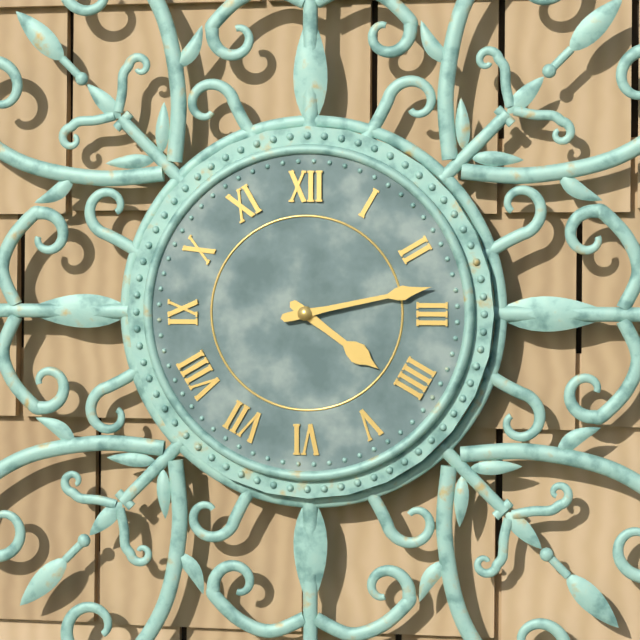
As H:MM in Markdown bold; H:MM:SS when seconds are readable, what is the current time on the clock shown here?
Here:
**4:13**
